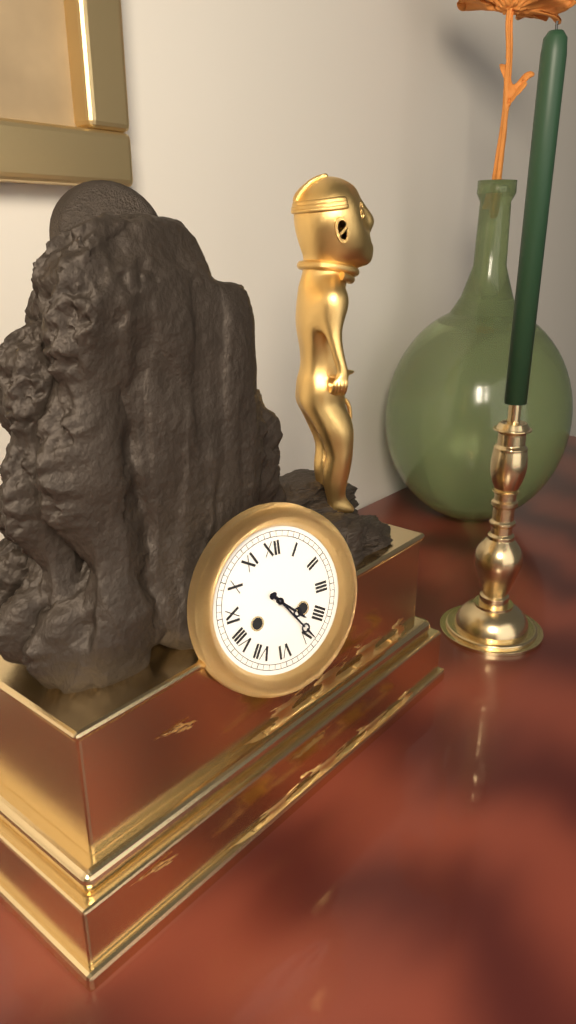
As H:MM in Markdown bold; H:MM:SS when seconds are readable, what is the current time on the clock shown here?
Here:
**4:24**
